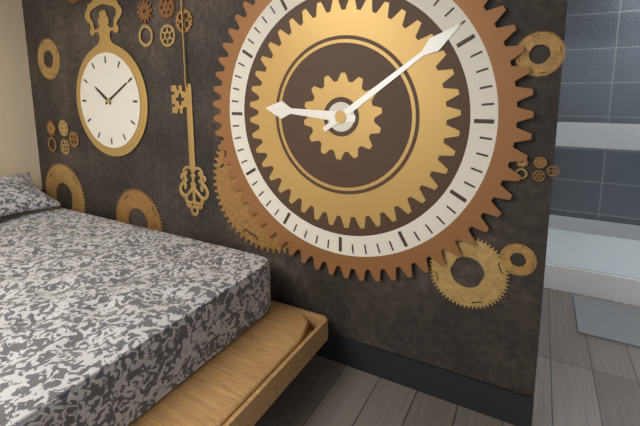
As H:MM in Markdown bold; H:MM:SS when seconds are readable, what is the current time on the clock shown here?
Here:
**9:09**
